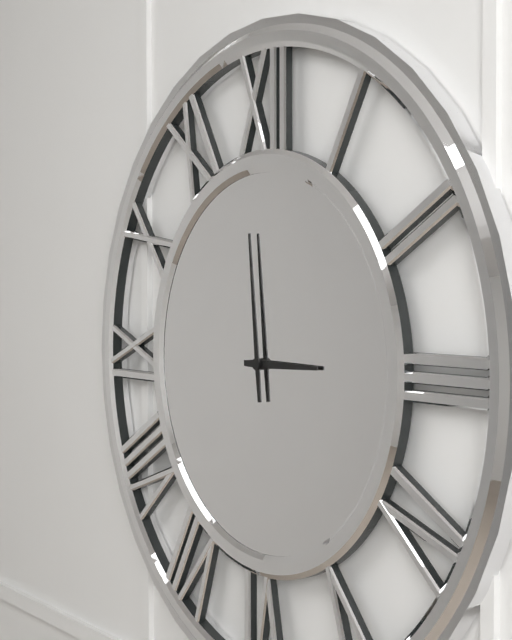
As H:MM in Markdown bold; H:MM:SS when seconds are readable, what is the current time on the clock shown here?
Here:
**2:59**
